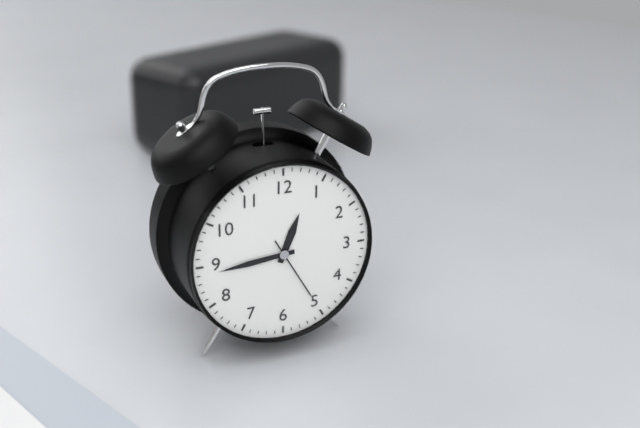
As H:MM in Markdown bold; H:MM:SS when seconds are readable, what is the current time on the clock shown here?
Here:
**12:44:25**
